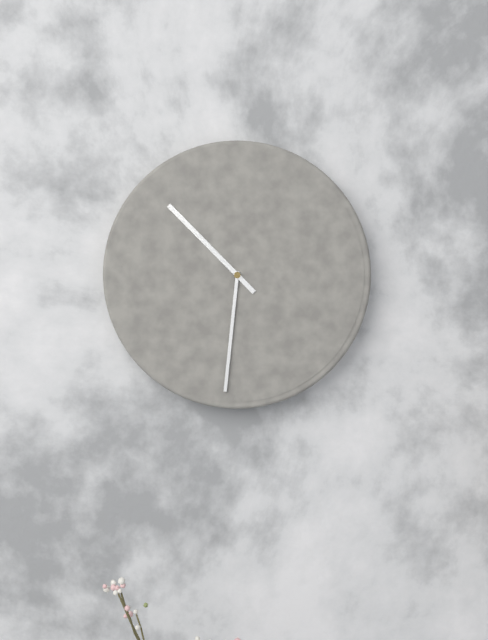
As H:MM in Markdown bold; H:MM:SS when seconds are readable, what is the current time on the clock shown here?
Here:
**10:31**
